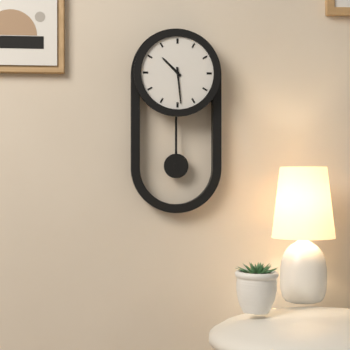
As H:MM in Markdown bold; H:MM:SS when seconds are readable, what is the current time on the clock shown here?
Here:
**10:29**
